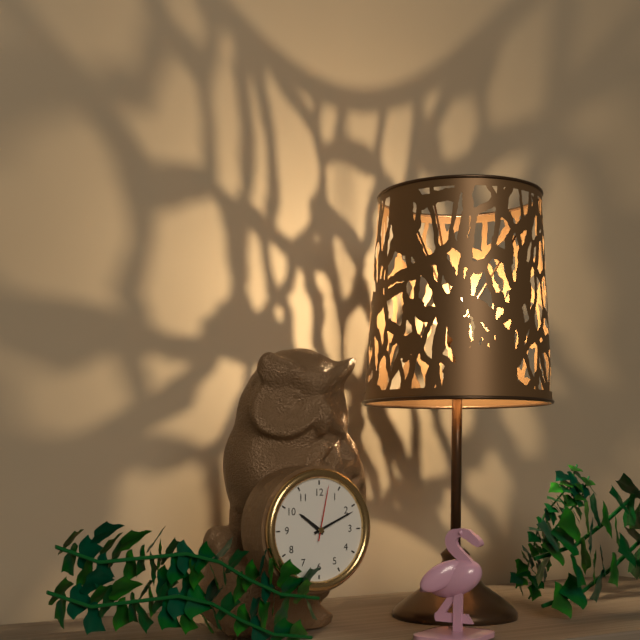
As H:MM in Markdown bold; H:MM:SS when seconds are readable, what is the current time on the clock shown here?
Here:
**10:11:02**
